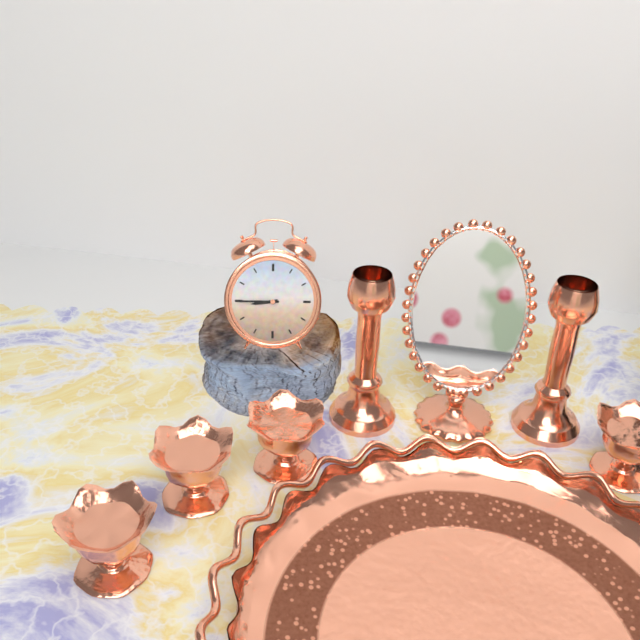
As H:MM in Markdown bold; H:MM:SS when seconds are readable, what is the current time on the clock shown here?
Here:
**8:45**
